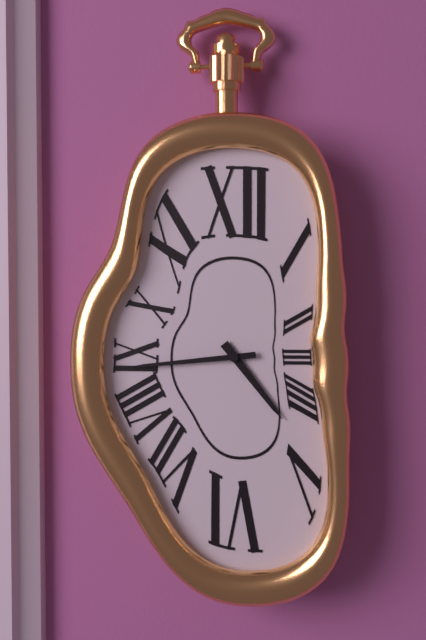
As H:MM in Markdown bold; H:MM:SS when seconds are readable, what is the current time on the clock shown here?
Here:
**4:44**
